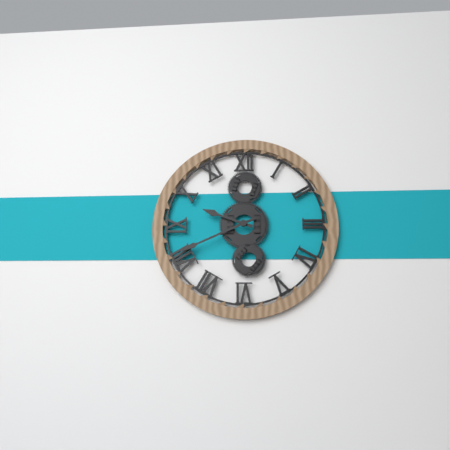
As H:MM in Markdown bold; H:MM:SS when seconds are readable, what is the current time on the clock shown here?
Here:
**9:41**
